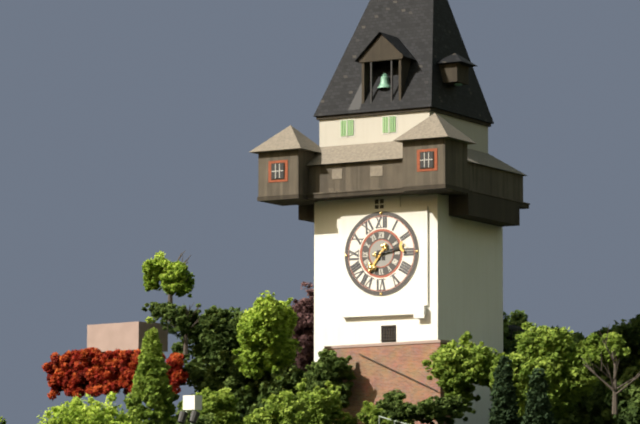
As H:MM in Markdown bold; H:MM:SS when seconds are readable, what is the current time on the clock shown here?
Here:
**7:13**
